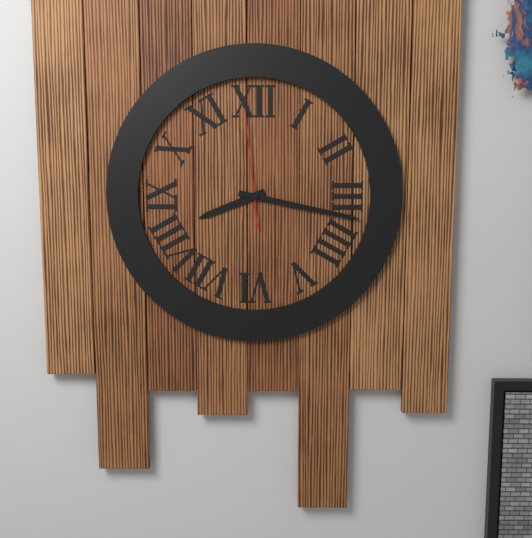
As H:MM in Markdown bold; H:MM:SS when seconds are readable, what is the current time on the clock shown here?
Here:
**8:17:59**
